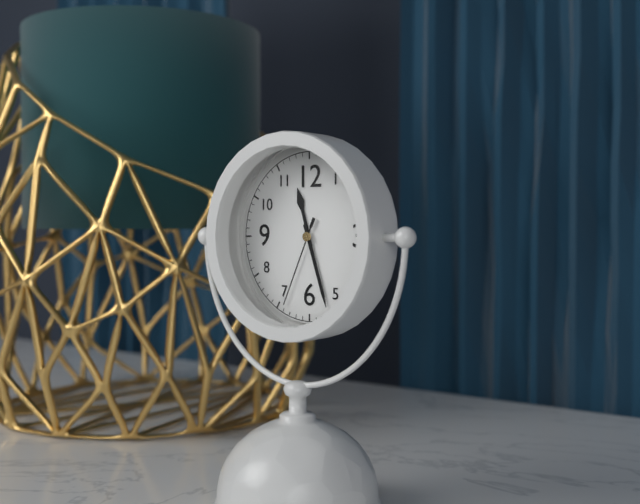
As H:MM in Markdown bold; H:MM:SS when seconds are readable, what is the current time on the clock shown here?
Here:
**11:27:34**
